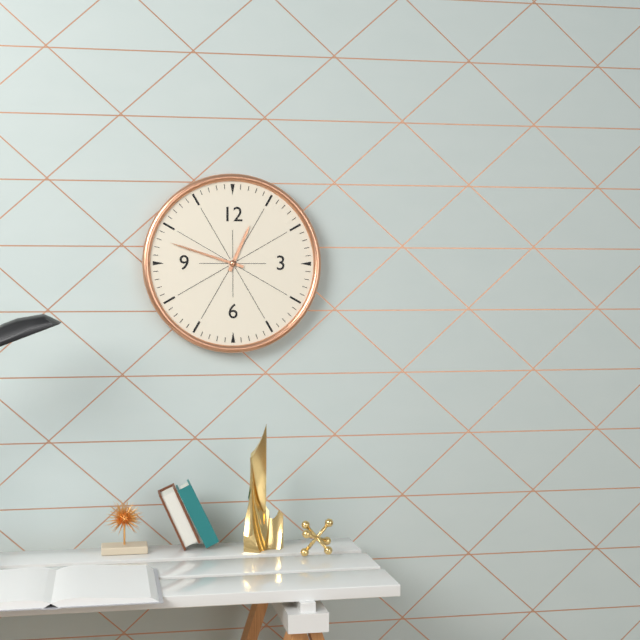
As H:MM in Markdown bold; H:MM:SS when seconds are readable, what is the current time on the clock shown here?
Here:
**12:48**
